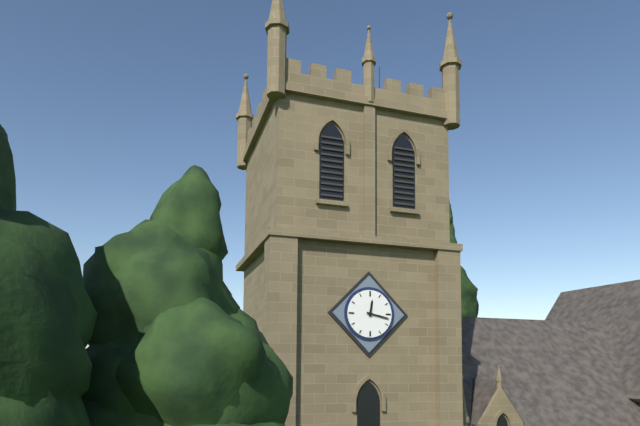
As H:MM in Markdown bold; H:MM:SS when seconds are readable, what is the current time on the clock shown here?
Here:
**12:17**
